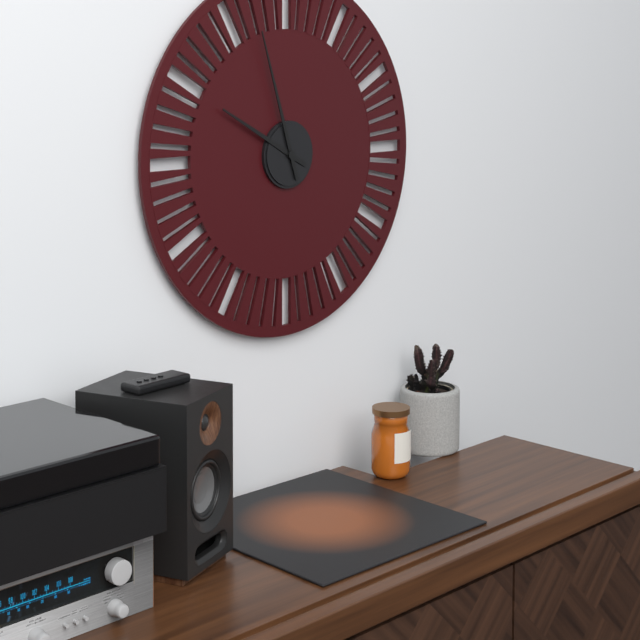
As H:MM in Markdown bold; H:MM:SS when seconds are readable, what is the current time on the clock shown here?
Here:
**9:57**
